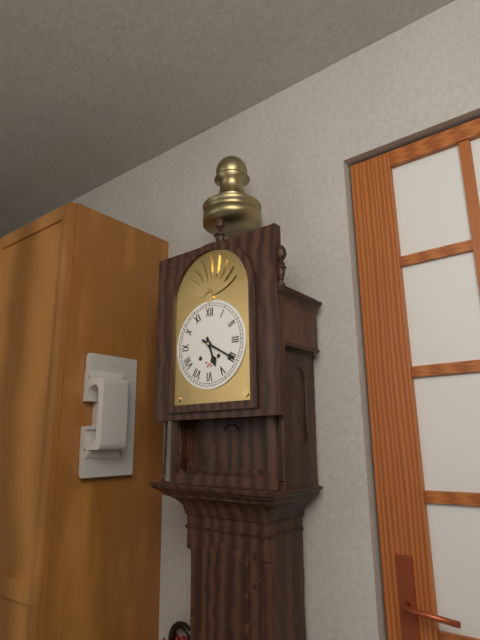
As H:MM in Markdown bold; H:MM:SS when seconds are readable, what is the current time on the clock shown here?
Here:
**5:20**
